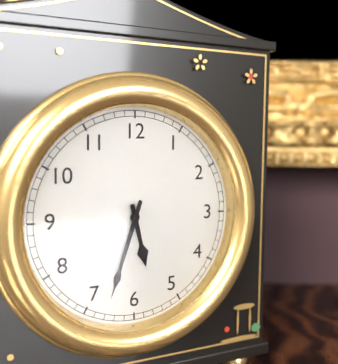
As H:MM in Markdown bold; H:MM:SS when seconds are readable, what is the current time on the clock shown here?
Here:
**5:33**
